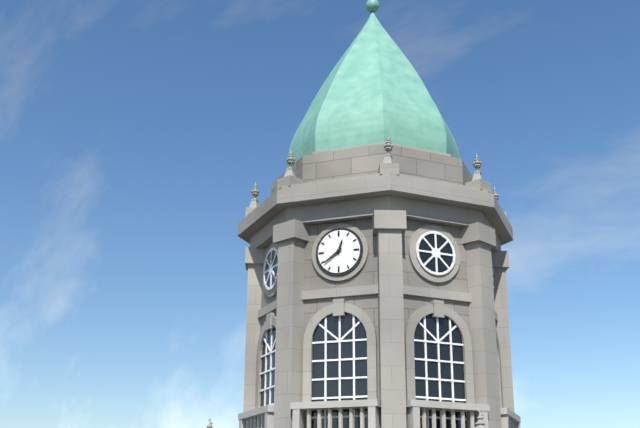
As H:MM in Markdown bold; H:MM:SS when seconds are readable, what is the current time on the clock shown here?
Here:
**12:39**
